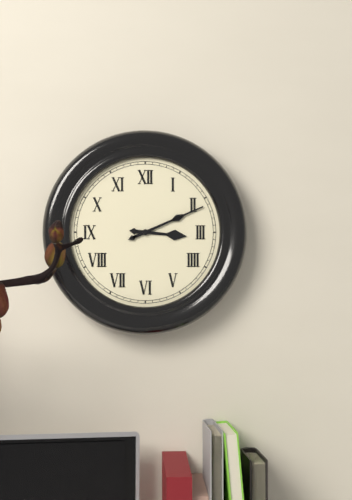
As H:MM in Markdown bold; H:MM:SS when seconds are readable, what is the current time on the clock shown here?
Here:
**3:11**
